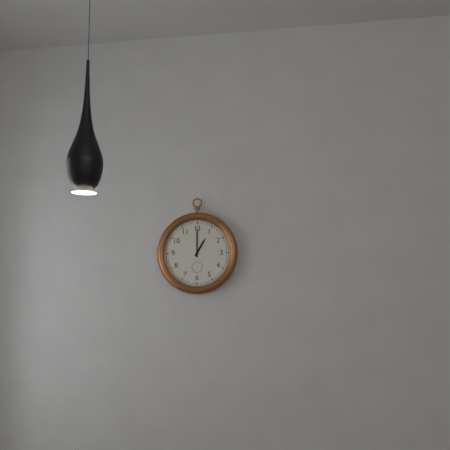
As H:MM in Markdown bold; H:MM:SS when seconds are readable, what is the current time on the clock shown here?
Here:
**1:00**
